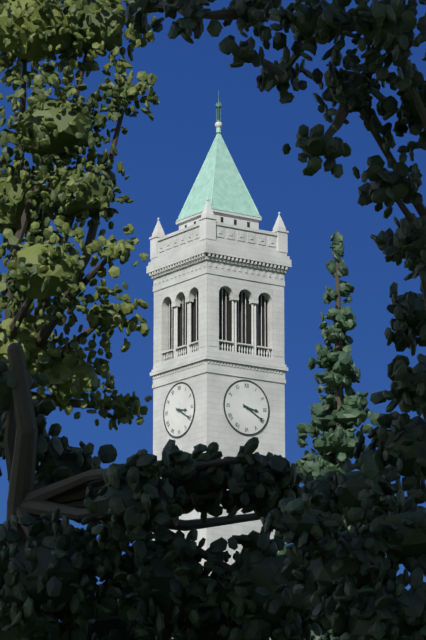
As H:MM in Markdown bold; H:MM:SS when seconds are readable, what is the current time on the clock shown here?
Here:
**3:20**
